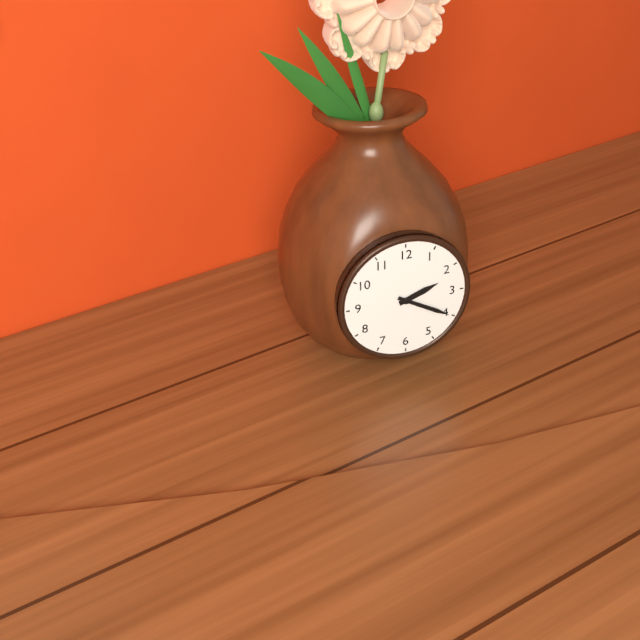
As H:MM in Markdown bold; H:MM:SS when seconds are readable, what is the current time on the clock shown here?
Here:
**2:20**
